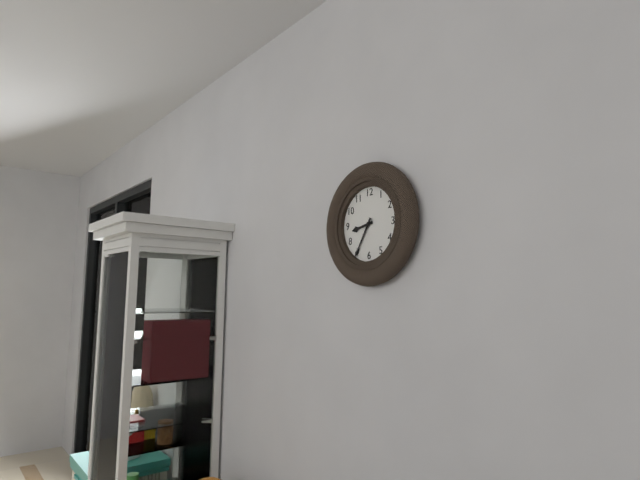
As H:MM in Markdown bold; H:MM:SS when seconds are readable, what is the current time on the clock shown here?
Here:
**8:35**
